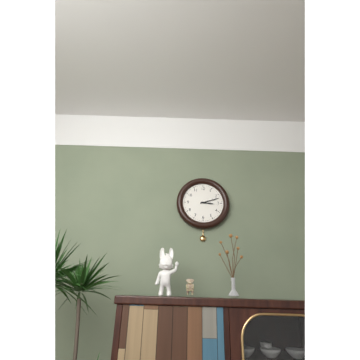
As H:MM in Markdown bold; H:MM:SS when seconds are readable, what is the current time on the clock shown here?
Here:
**3:12**
